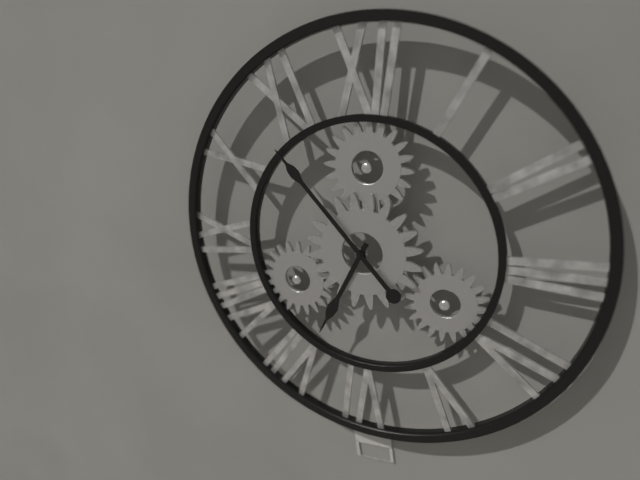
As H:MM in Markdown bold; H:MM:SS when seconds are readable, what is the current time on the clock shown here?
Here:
**6:53**
